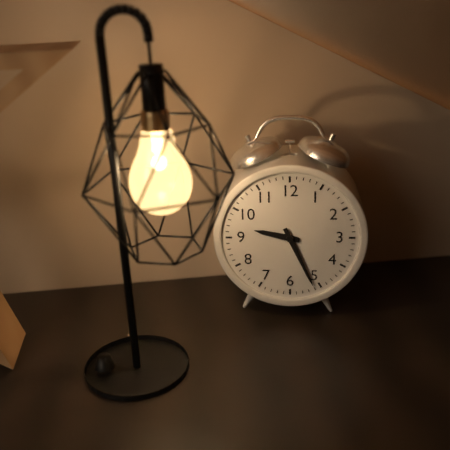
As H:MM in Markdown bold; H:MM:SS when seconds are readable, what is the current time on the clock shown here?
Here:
**9:26**
